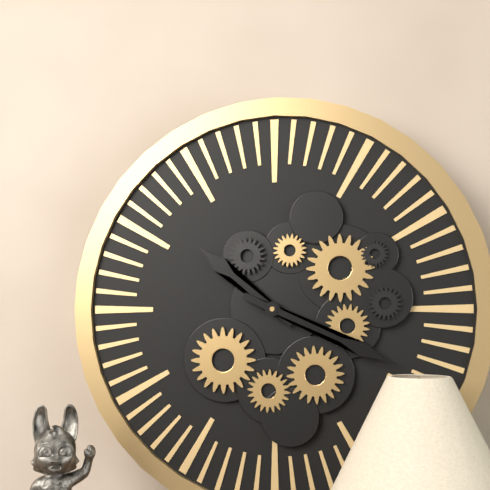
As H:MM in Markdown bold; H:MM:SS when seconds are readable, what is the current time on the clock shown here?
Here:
**10:19**
